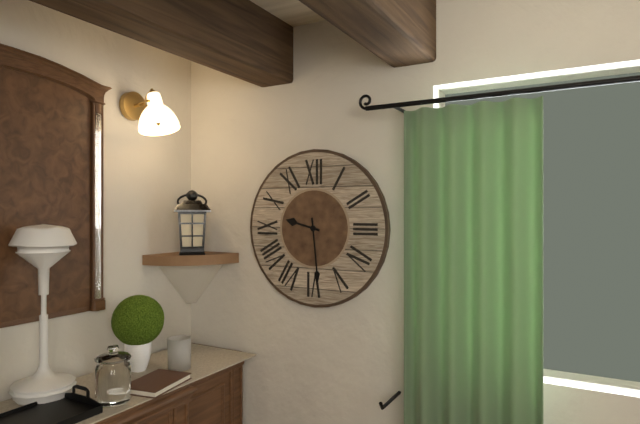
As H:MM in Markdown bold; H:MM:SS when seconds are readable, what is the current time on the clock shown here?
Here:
**9:29**
